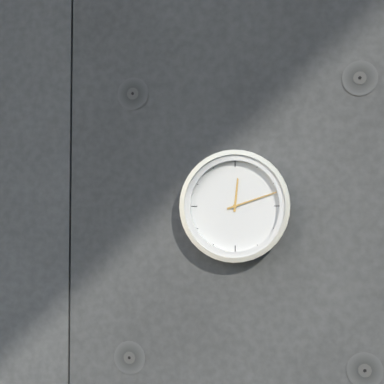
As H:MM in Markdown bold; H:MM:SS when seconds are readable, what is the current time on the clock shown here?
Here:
**12:12**
